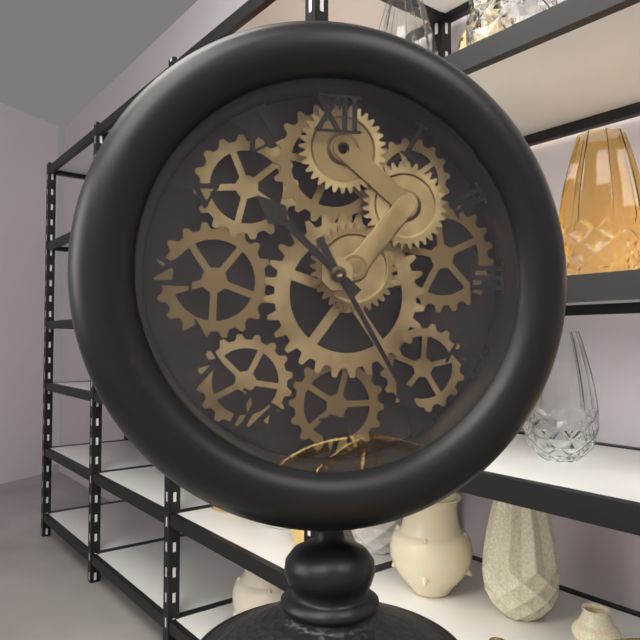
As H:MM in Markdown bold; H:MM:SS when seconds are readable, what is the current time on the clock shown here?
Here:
**10:25**
